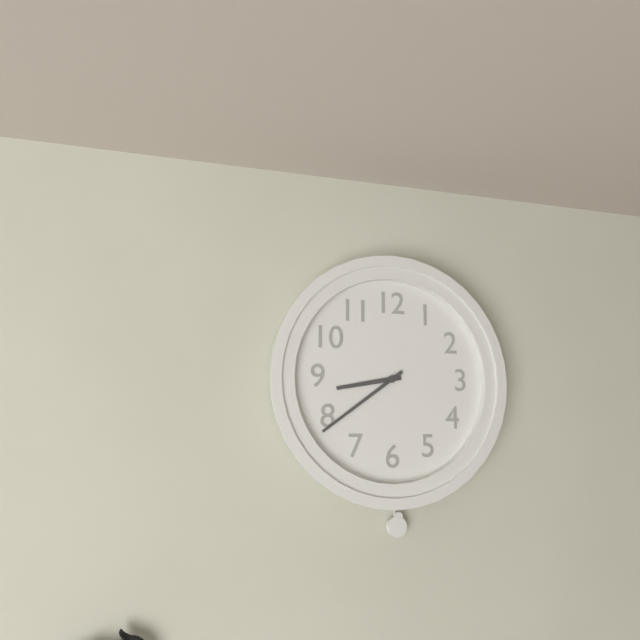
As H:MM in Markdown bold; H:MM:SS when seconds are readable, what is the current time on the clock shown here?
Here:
**8:39**
